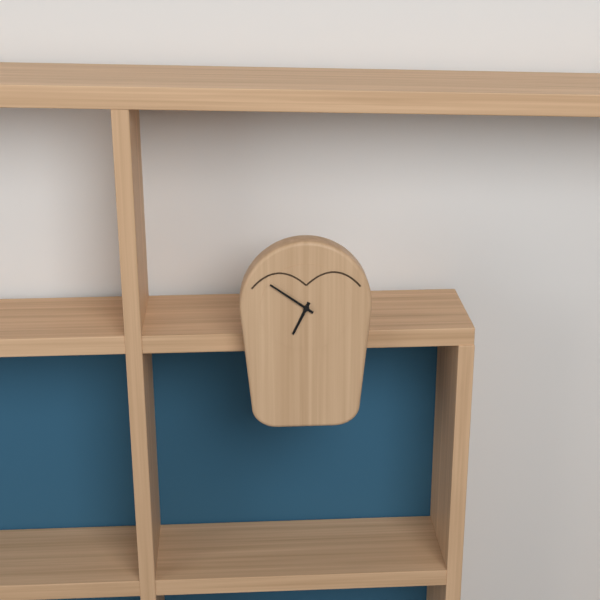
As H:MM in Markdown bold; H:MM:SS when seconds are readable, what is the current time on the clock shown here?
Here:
**6:51**
